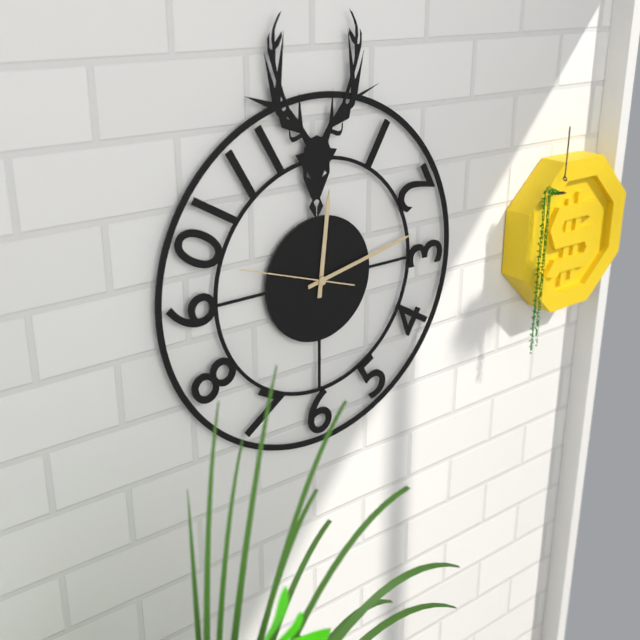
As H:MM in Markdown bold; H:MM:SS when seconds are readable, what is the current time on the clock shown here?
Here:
**12:13:48**
